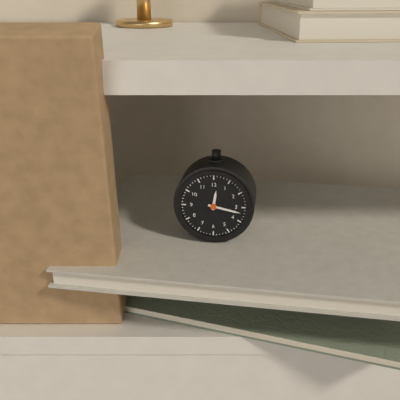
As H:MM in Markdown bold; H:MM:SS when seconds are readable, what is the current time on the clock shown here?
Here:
**12:17**
